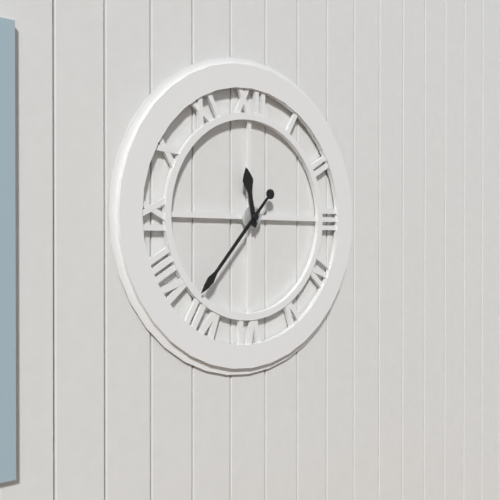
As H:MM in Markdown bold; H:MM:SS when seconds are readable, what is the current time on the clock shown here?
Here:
**11:37**
